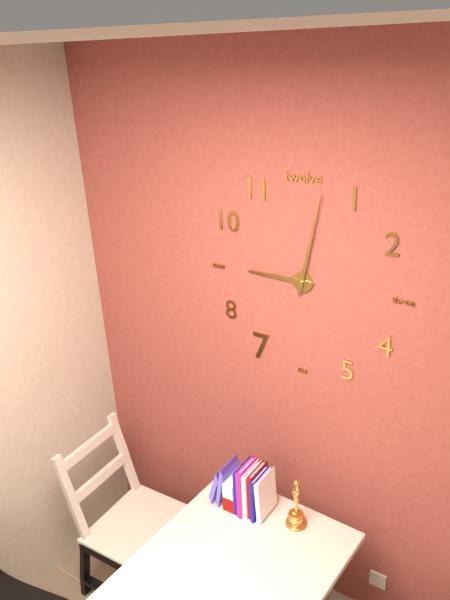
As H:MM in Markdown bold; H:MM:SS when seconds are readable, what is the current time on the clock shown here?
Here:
**9:02**
